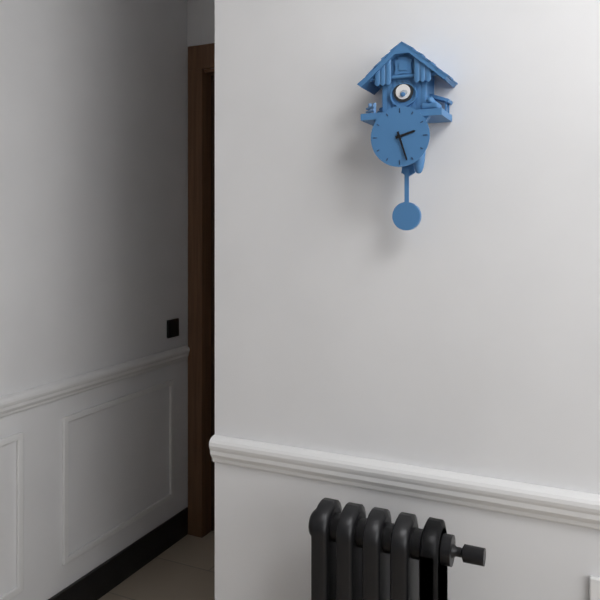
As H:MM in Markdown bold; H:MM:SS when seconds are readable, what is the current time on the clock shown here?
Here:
**2:27**
